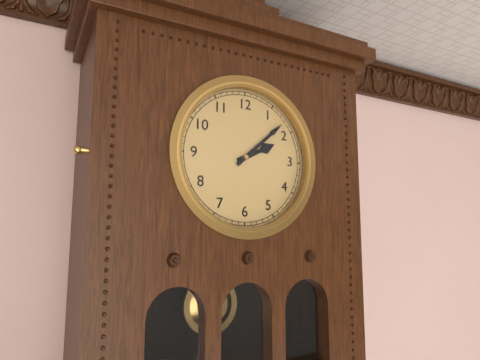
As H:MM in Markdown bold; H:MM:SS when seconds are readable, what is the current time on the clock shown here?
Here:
**2:08**
